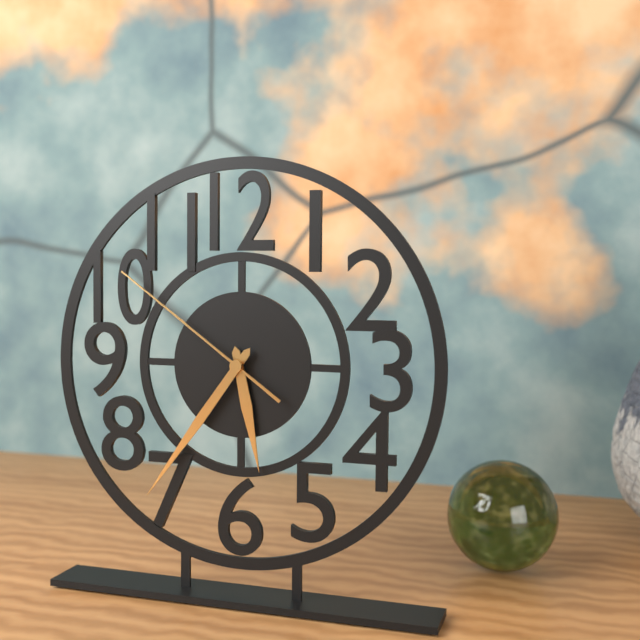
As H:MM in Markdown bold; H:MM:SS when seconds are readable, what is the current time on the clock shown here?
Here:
**5:36:51**
